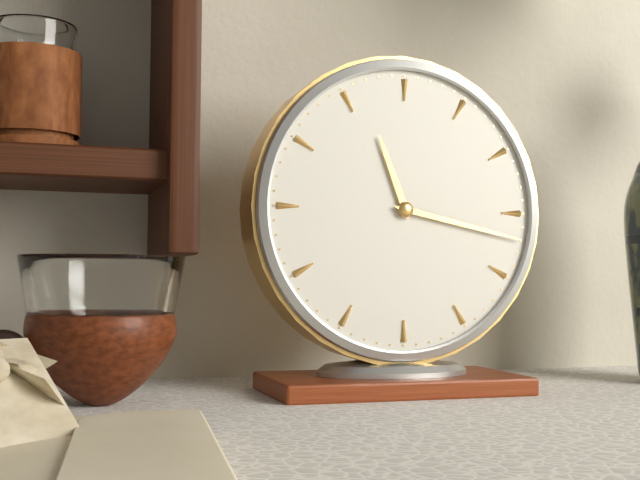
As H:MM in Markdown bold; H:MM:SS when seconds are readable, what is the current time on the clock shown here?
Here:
**11:17**
